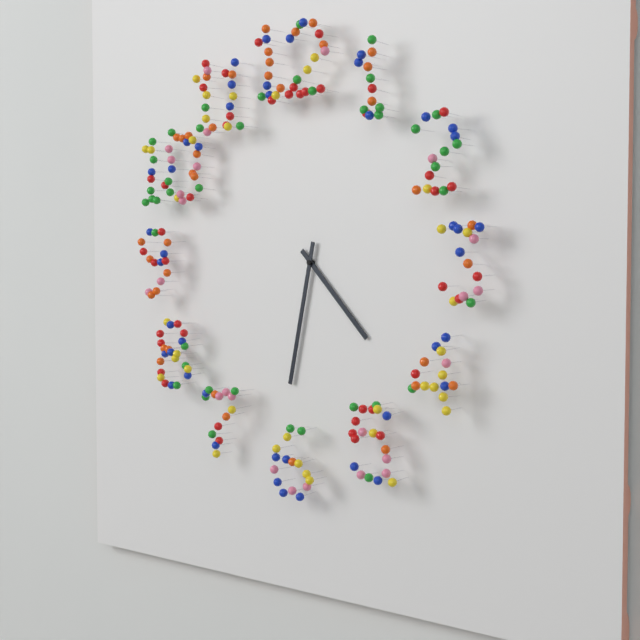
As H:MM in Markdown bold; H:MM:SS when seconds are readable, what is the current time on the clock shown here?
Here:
**4:32**
